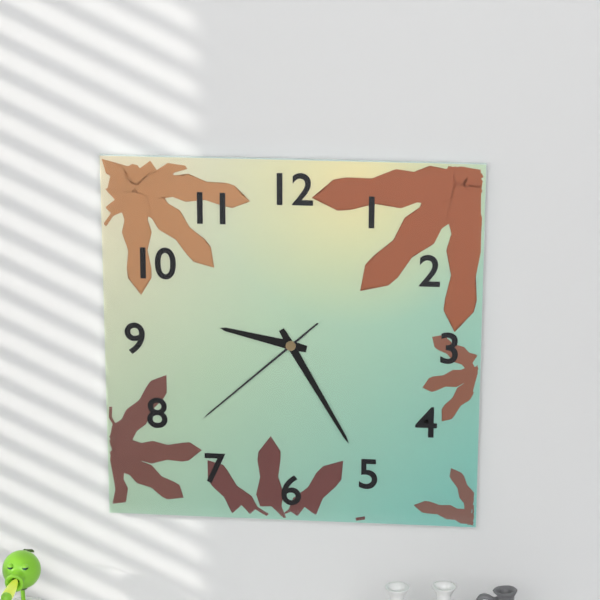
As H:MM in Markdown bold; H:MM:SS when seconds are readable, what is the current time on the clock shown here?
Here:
**9:25:38**
